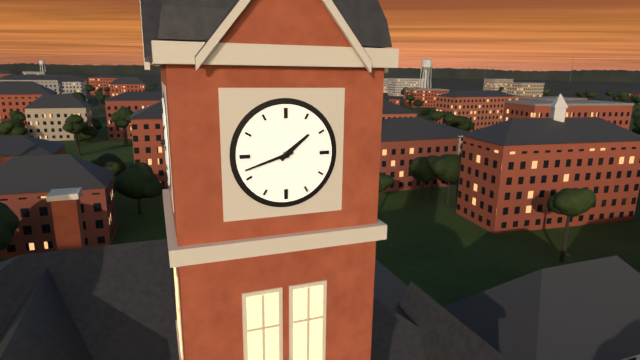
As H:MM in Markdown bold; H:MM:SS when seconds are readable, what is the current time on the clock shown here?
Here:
**1:42**
